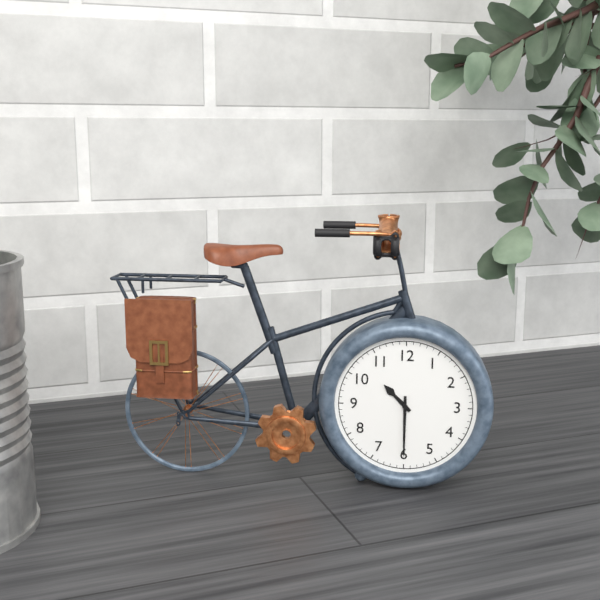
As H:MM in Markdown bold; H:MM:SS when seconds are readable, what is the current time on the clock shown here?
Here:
**10:30**
